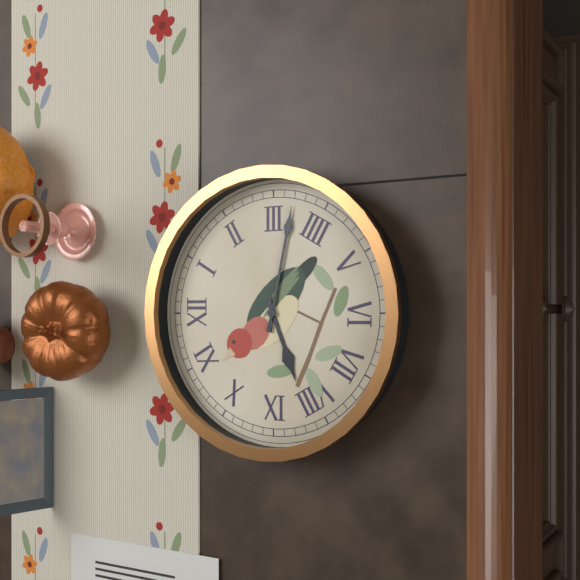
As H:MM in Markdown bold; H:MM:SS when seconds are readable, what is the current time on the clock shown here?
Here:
**8:17**
